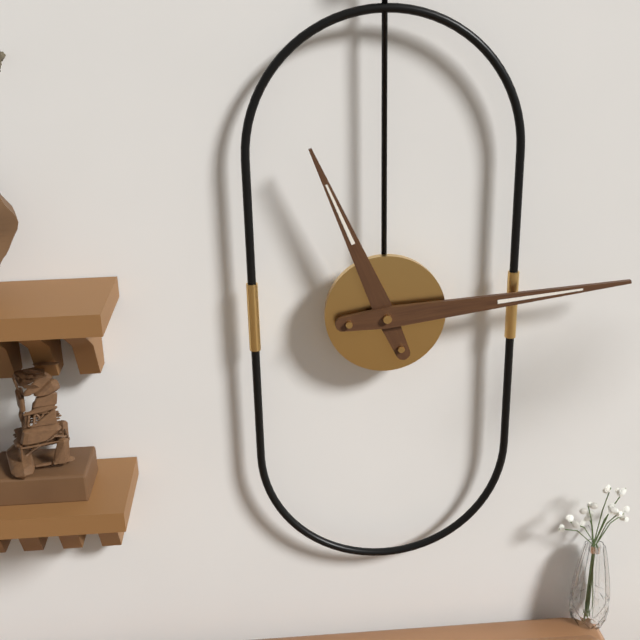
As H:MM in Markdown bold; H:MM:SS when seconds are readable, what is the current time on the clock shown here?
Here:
**11:14**
